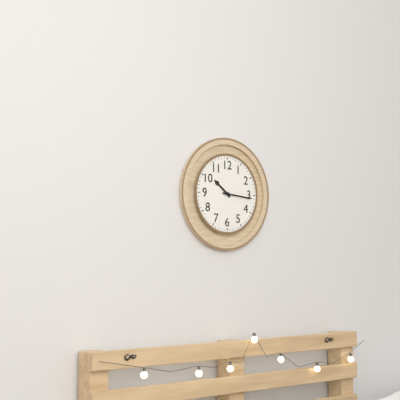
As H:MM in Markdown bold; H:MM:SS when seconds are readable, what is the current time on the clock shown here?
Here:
**10:16**
